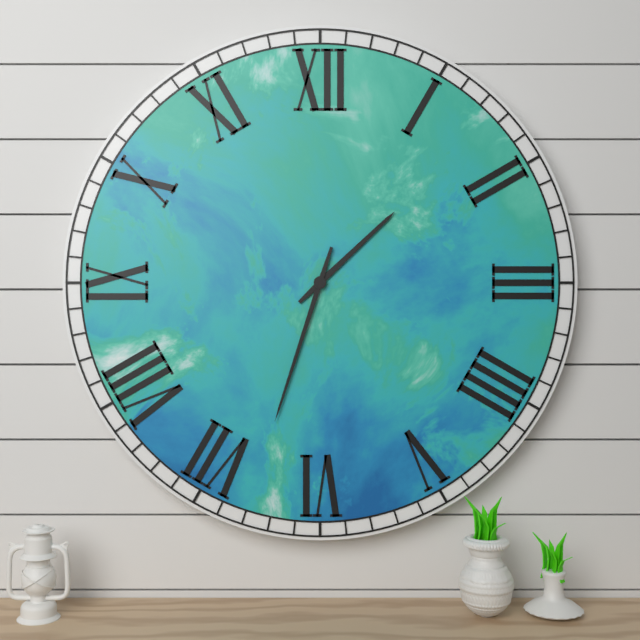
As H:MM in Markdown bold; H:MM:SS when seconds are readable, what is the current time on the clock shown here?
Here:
**1:33**
